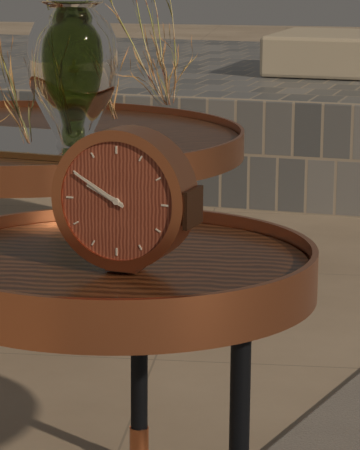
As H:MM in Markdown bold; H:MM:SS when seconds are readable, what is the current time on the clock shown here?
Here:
**9:50**
